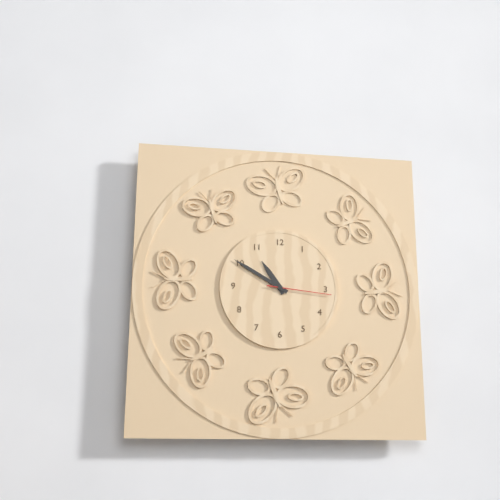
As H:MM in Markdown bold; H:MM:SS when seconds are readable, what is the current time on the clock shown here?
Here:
**10:50:16**
